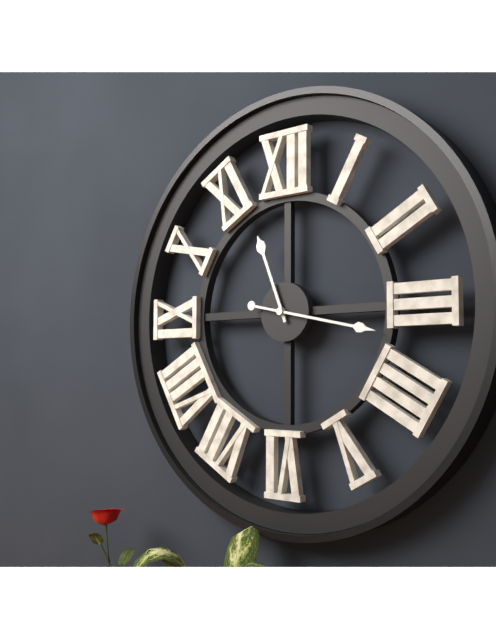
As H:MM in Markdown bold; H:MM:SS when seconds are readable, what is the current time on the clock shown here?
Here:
**11:17**
